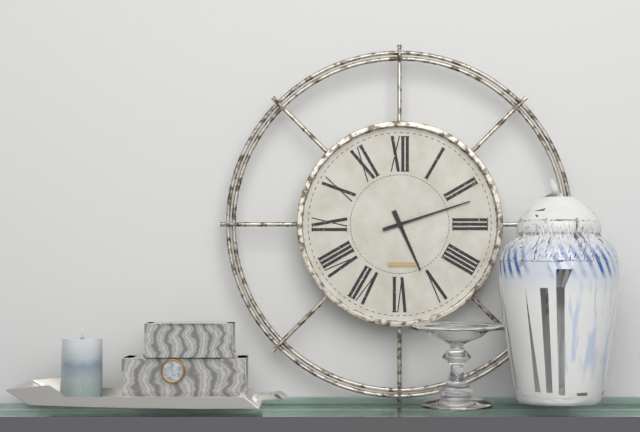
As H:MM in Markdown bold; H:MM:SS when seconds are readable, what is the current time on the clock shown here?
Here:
**5:12**
